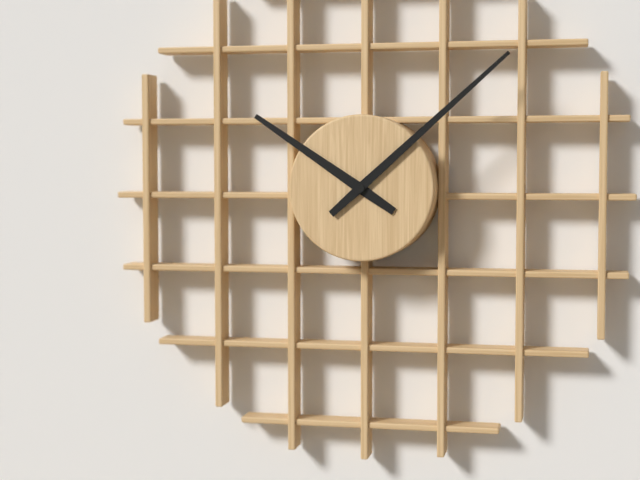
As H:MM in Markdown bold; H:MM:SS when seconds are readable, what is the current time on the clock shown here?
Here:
**10:08**
